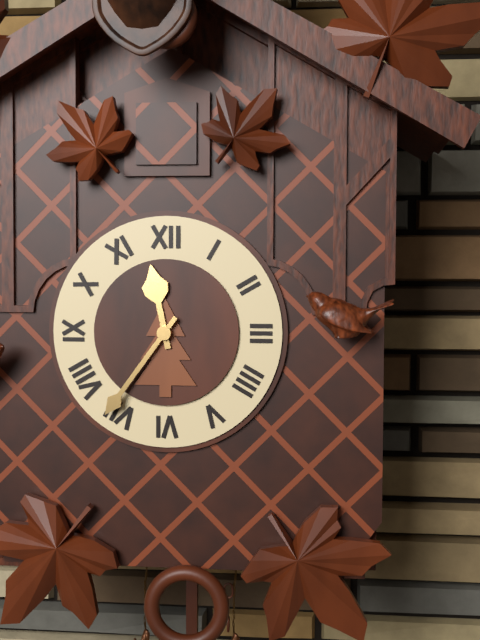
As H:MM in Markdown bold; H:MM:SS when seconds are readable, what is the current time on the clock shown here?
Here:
**11:36**
